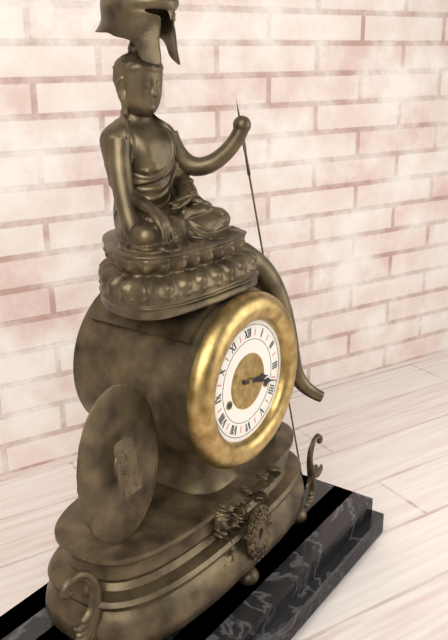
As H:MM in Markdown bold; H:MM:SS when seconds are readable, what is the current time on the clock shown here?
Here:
**3:18**
